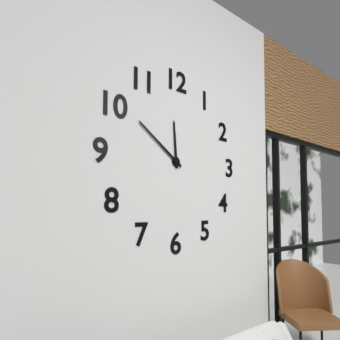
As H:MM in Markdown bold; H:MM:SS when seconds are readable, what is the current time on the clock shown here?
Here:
**11:51**
